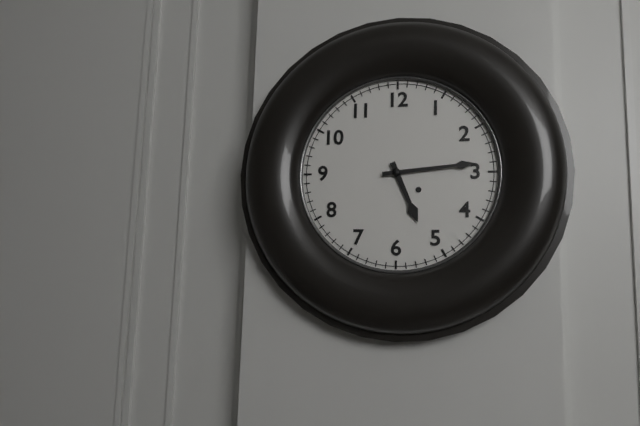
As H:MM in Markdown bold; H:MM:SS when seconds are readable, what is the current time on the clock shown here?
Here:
**5:14**
